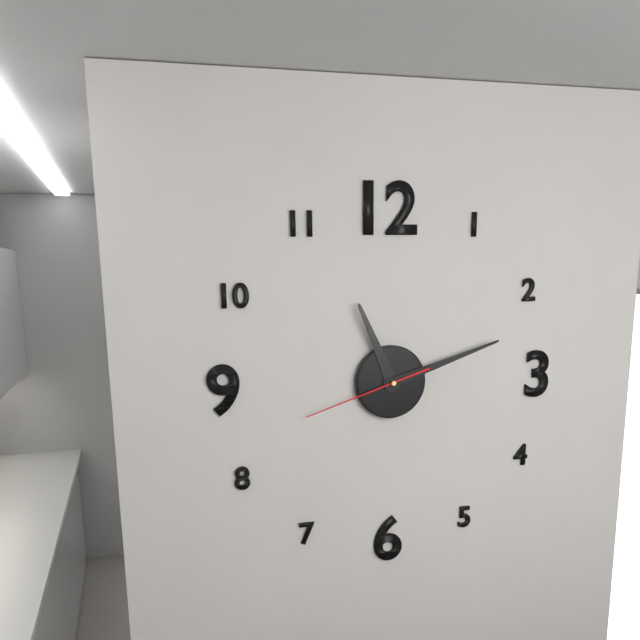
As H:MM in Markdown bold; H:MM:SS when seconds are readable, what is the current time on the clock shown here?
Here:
**11:12:42**
